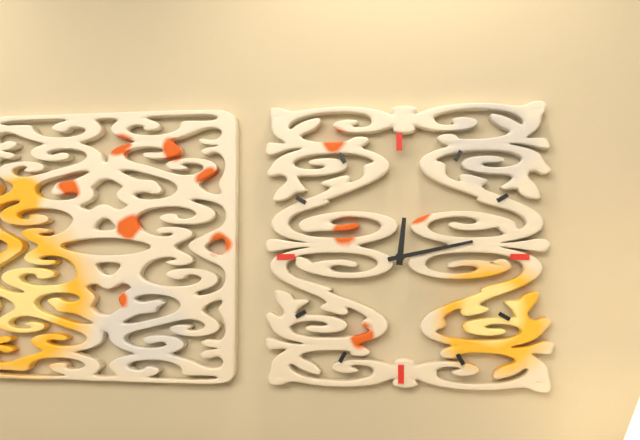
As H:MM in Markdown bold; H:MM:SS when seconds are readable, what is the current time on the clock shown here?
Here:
**12:13**
